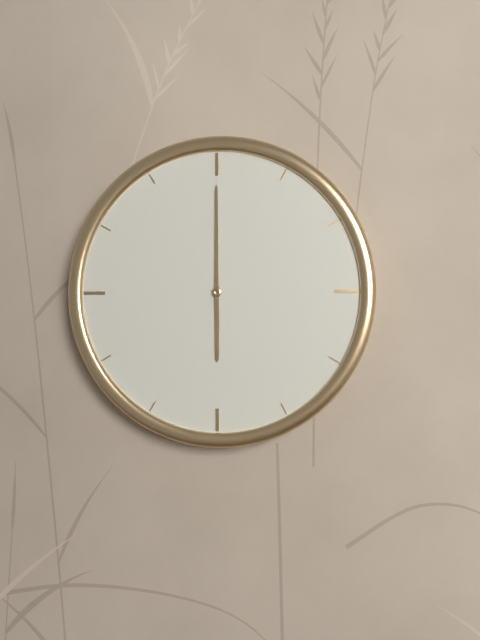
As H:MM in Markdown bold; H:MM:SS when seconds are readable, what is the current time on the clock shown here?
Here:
**6:00**
